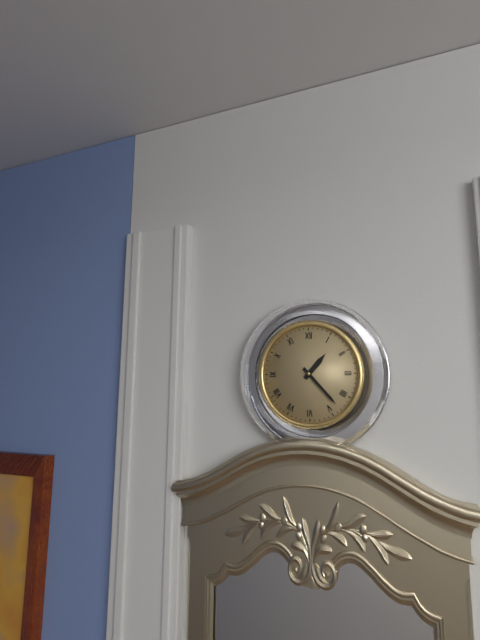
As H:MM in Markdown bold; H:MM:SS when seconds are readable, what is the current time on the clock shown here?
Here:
**1:23**
